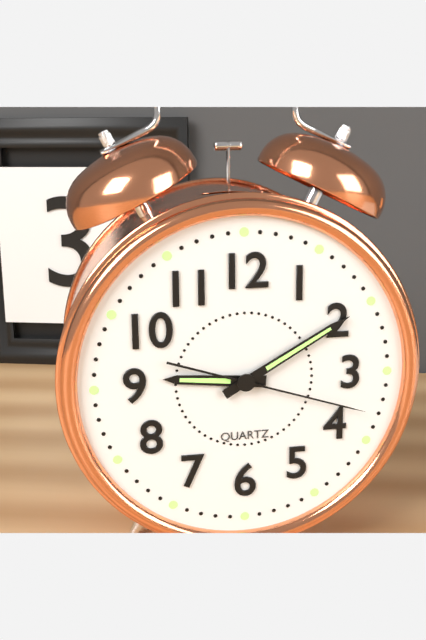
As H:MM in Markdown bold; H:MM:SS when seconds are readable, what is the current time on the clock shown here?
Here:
**9:10:18**
